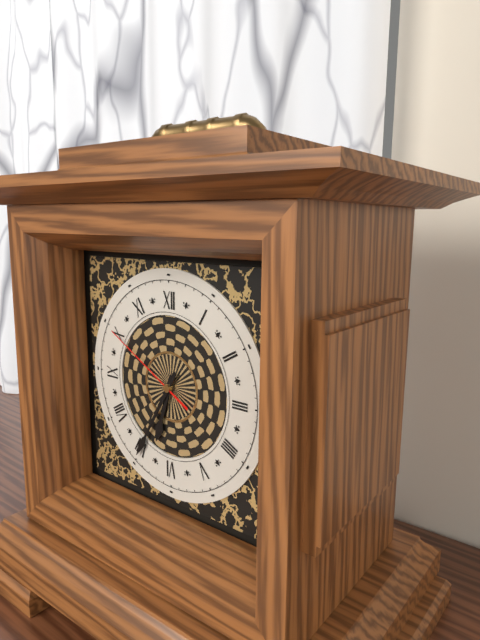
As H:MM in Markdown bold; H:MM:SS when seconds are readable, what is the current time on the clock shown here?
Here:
**6:35:50**
